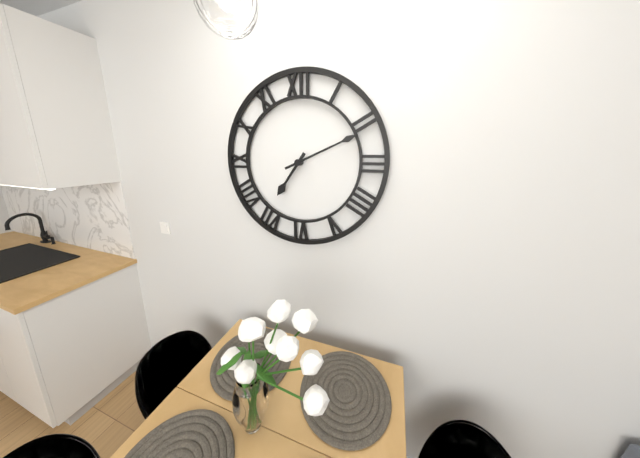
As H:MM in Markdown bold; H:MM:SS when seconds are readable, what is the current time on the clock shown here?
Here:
**7:11**
